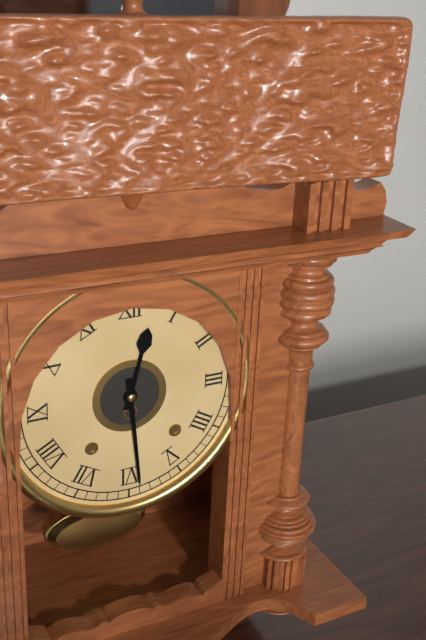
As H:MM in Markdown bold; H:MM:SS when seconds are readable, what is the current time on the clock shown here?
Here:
**12:29**
